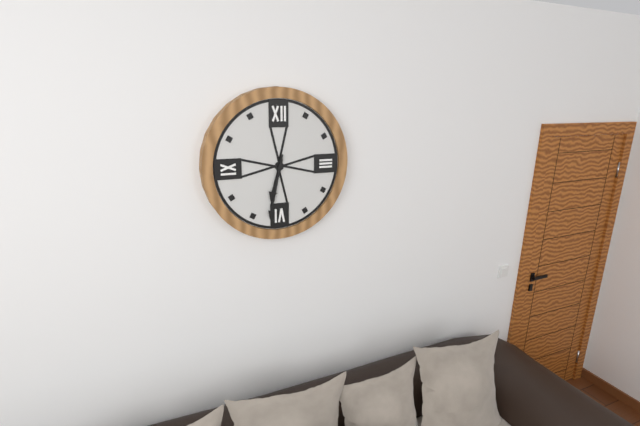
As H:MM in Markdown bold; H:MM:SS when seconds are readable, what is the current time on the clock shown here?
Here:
**6:32**
